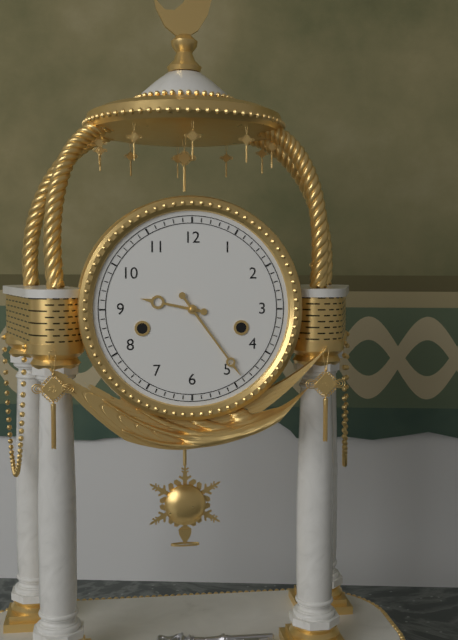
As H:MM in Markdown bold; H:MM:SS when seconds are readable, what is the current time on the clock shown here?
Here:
**9:24**
